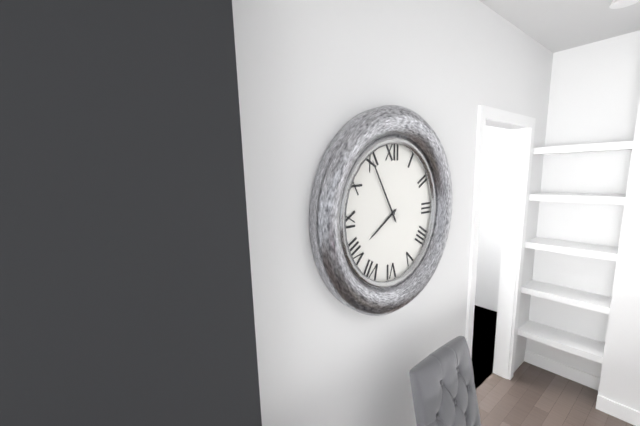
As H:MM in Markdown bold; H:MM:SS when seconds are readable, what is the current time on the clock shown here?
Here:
**7:55**
